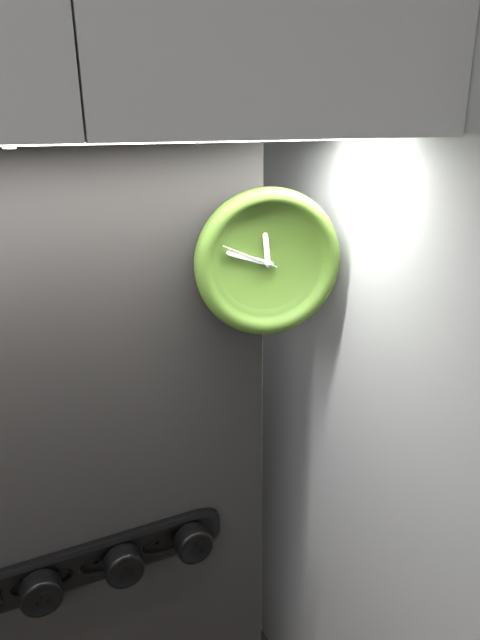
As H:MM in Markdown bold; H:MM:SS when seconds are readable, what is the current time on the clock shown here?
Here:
**11:48:49**
